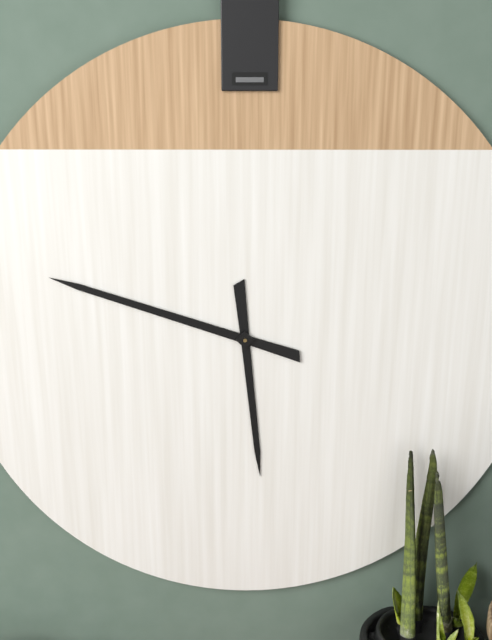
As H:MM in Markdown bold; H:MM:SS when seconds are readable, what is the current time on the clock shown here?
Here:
**5:48**
